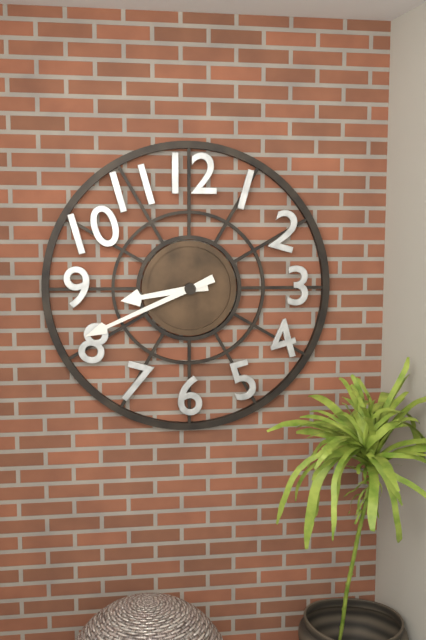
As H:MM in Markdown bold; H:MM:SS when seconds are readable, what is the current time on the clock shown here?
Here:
**8:41**
